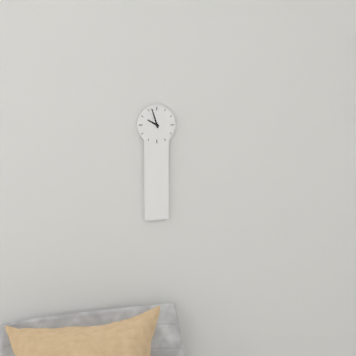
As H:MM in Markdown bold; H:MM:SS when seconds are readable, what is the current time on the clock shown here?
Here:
**9:57**
